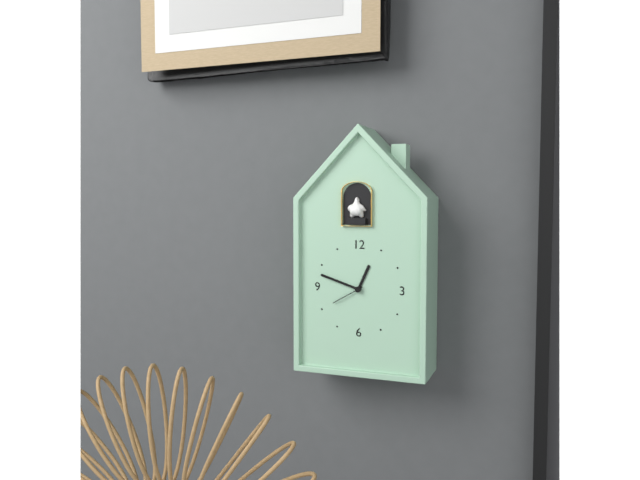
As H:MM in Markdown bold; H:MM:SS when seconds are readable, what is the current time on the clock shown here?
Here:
**12:48**
